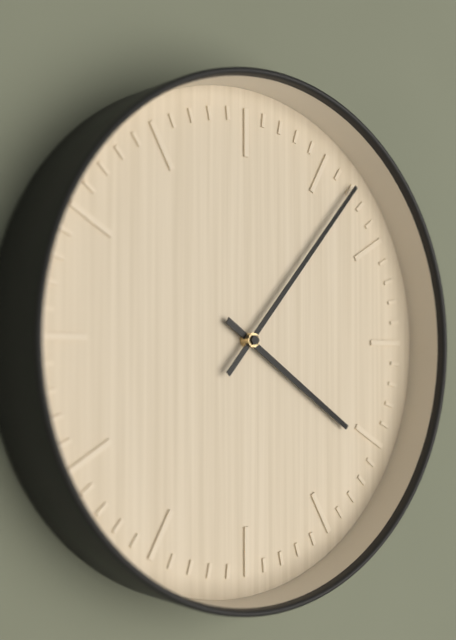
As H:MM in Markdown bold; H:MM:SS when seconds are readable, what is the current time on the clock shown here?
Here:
**4:07**
